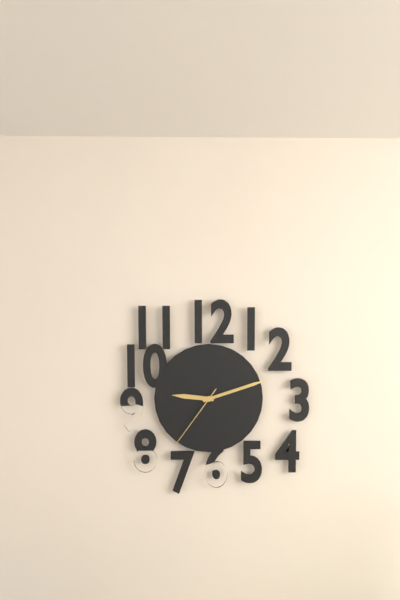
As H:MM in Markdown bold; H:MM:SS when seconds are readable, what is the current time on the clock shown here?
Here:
**9:12:36**
